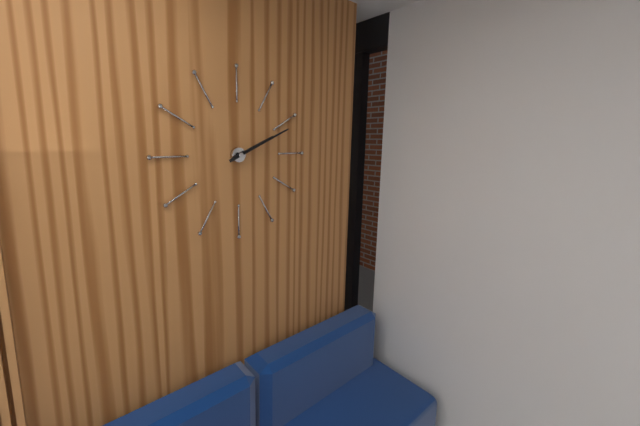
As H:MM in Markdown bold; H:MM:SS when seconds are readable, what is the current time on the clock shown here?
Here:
**2:11**
